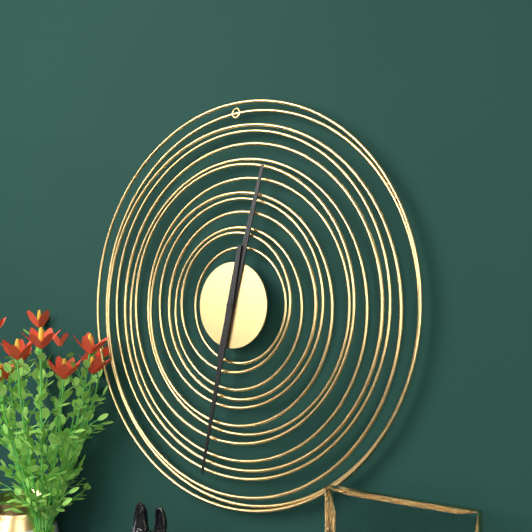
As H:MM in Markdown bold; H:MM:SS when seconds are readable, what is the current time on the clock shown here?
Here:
**12:32**
